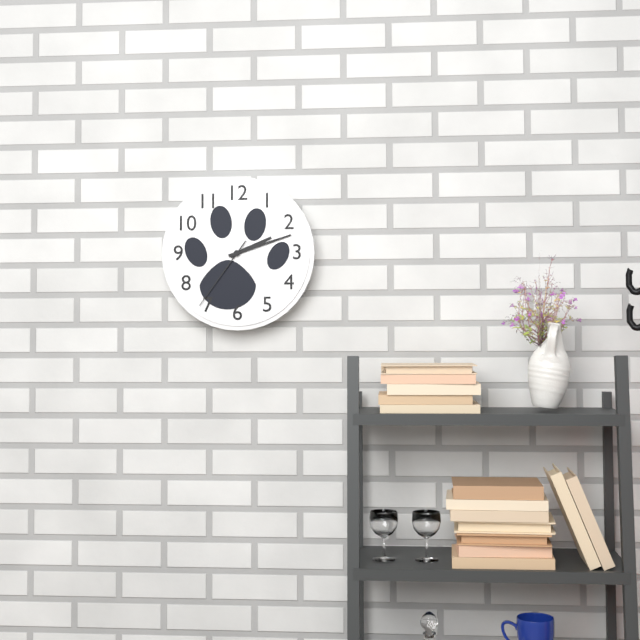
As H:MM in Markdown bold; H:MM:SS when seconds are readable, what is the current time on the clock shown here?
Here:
**2:12:36**
